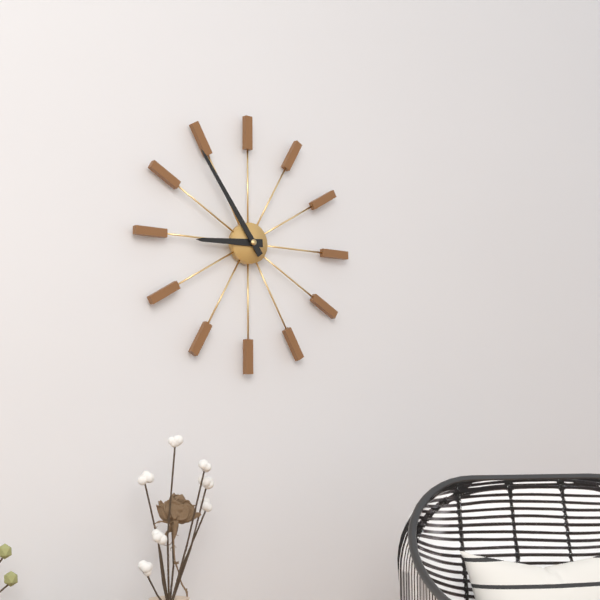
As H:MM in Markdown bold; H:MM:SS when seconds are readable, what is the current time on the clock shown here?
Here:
**8:54**
